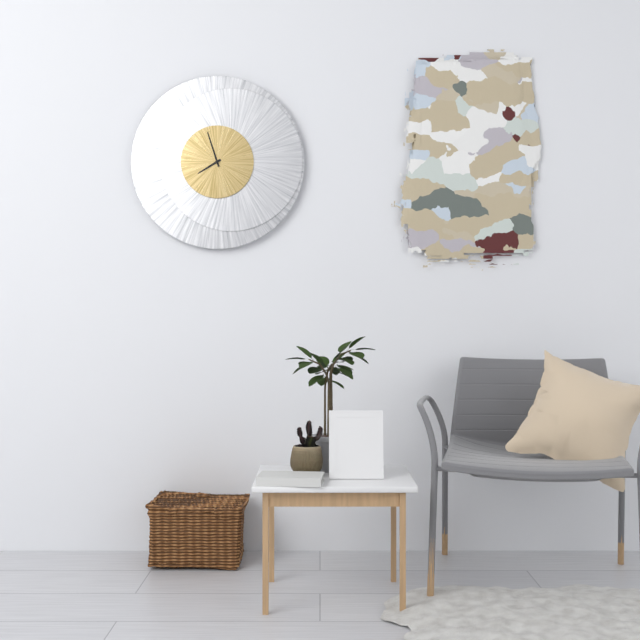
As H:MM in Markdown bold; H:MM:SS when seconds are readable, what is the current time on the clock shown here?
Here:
**7:57**
